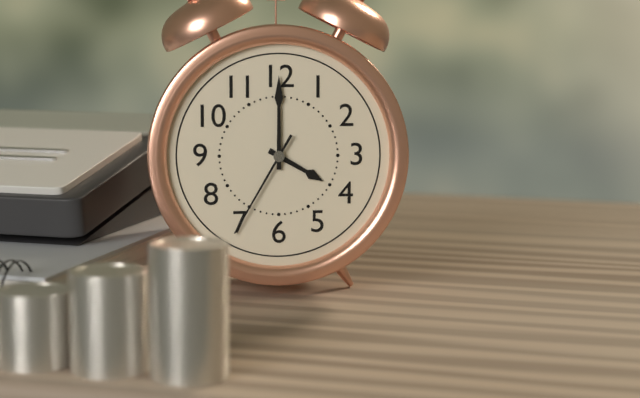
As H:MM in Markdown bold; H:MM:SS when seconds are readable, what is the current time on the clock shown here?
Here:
**4:00:35**
